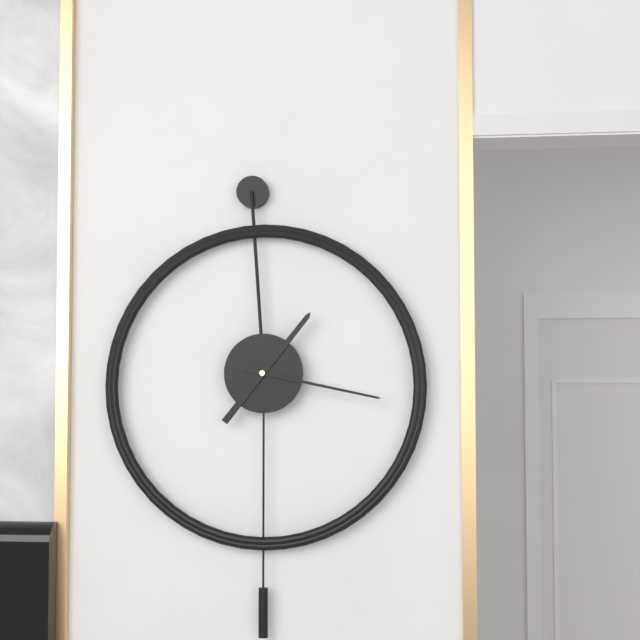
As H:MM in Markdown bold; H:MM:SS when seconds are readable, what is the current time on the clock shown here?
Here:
**1:17**
